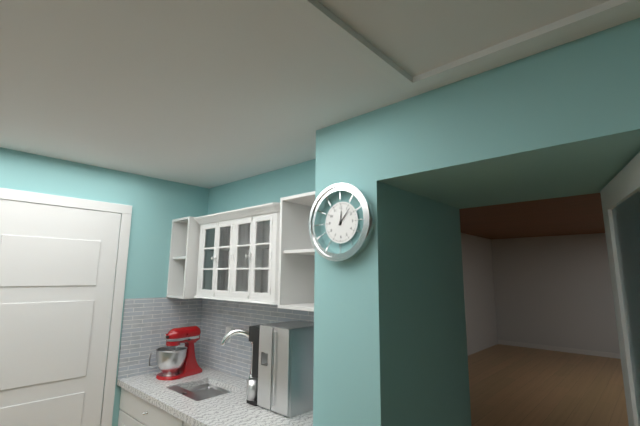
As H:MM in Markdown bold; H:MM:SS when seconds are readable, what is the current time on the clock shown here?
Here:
**12:07**
